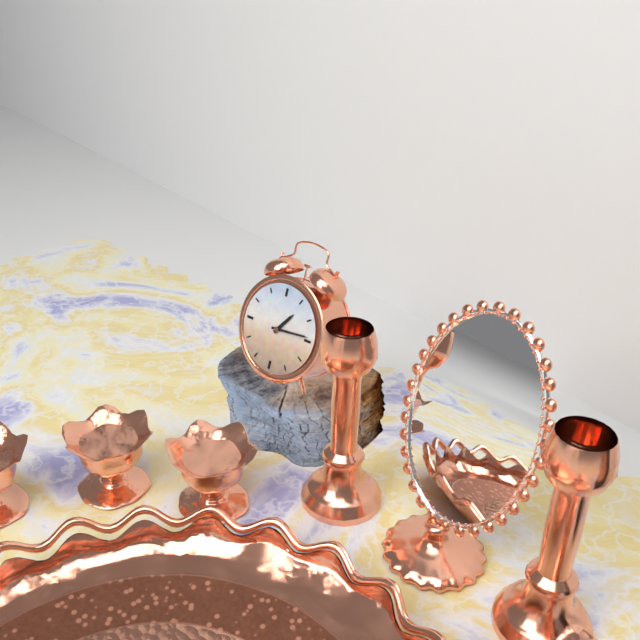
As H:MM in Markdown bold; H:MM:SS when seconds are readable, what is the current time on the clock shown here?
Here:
**1:14**
